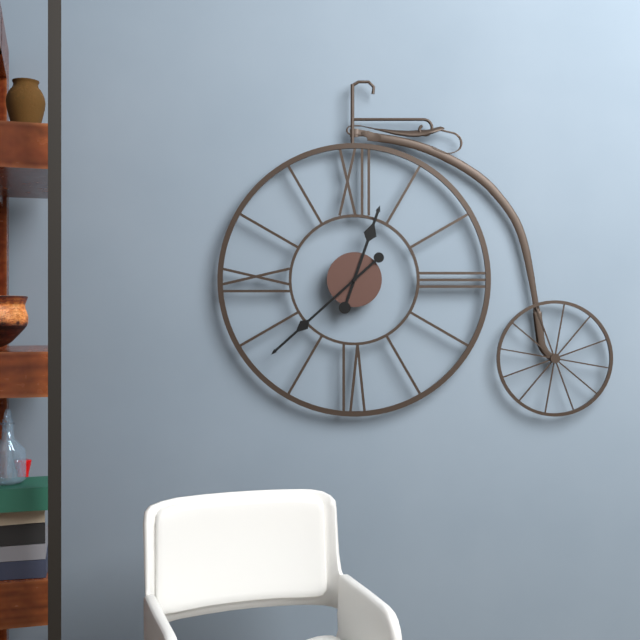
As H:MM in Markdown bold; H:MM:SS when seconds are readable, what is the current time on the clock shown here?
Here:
**12:38**
